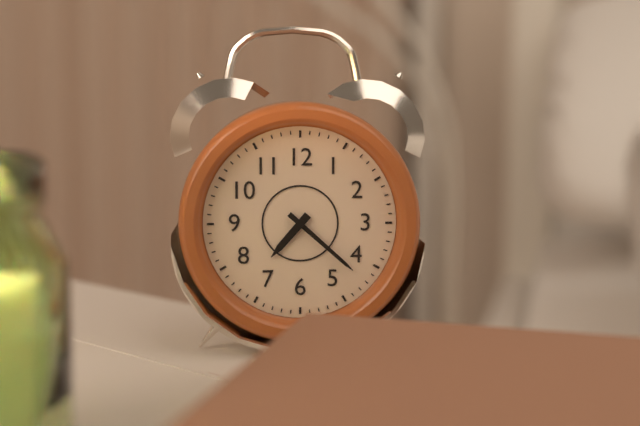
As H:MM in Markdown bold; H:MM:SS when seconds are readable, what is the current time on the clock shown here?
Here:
**7:22**
